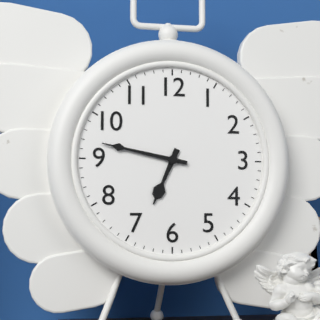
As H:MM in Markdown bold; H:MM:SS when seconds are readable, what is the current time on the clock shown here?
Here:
**6:47**
